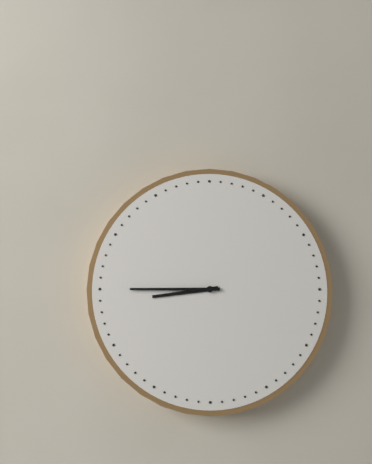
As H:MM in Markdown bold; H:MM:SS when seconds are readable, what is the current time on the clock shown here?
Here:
**8:45**
